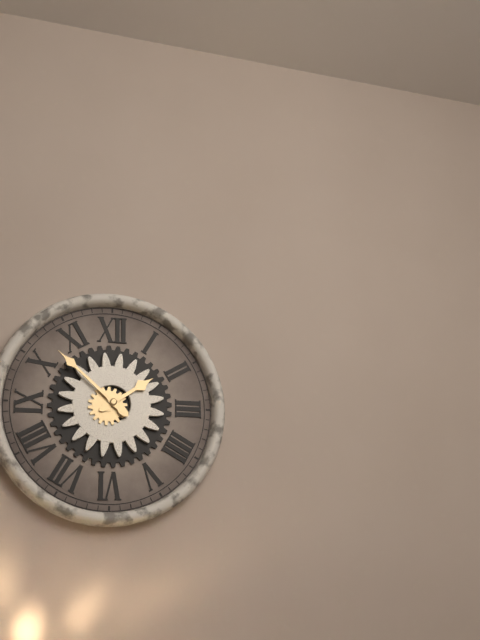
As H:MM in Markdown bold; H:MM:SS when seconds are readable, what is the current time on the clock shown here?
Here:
**1:52**
